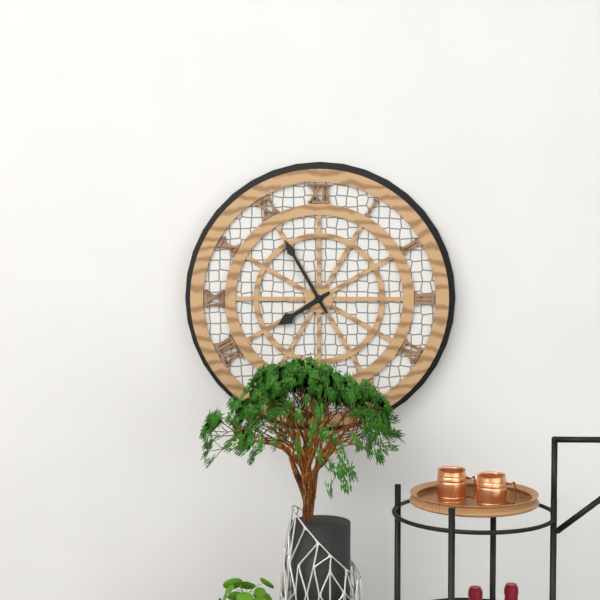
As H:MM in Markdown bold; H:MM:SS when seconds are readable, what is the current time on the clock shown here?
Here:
**7:55**
